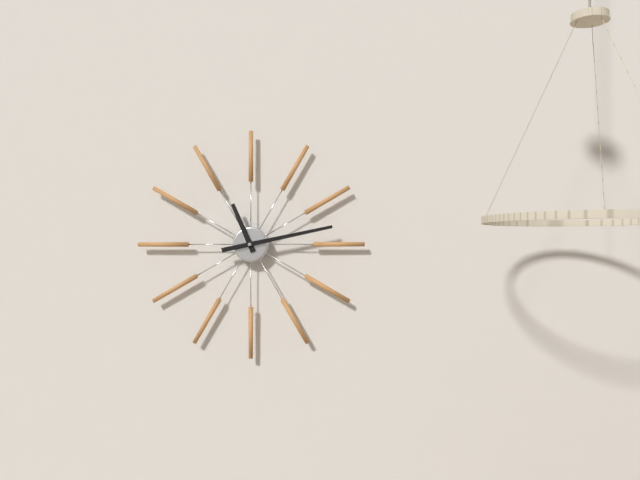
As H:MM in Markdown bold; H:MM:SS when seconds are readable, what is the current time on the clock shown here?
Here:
**11:13**
